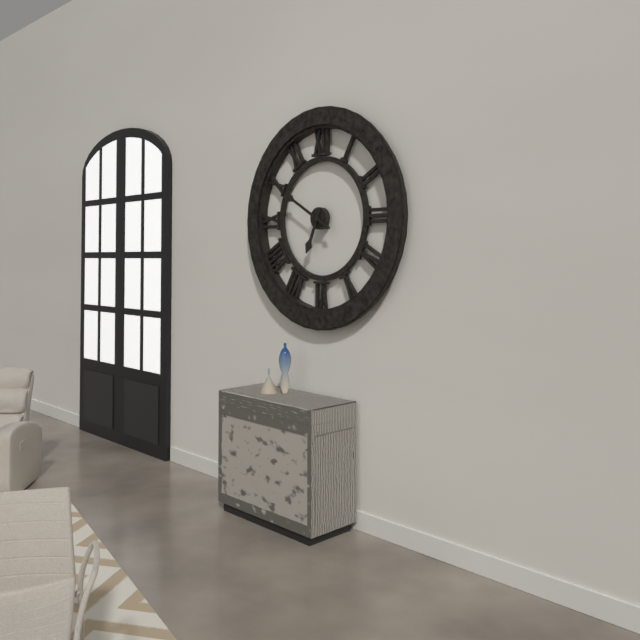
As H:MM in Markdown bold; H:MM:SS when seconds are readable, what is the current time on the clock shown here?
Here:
**6:50**
